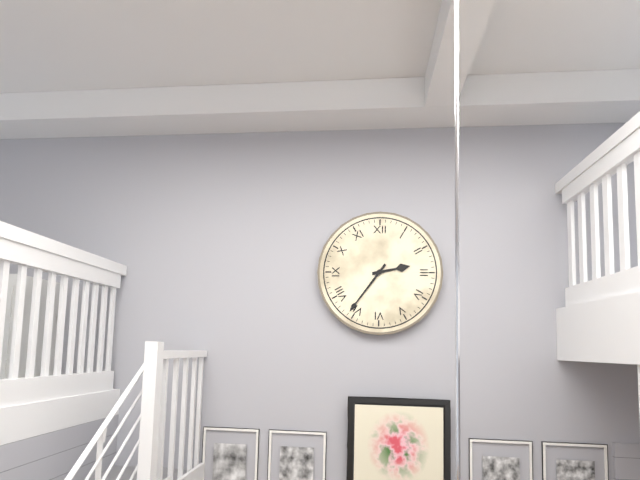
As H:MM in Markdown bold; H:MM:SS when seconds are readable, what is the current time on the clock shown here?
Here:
**2:36**
